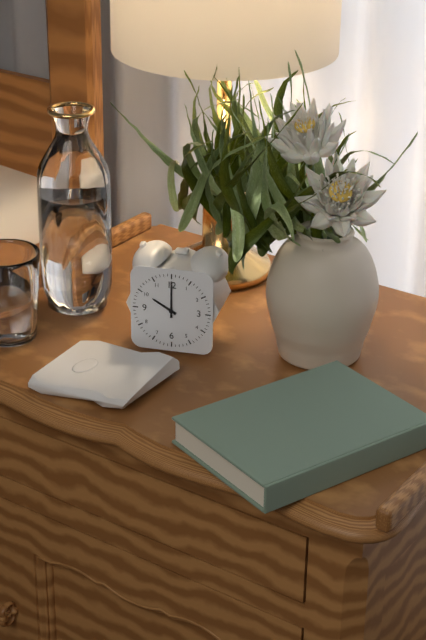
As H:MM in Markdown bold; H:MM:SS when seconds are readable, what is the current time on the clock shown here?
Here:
**10:00**
